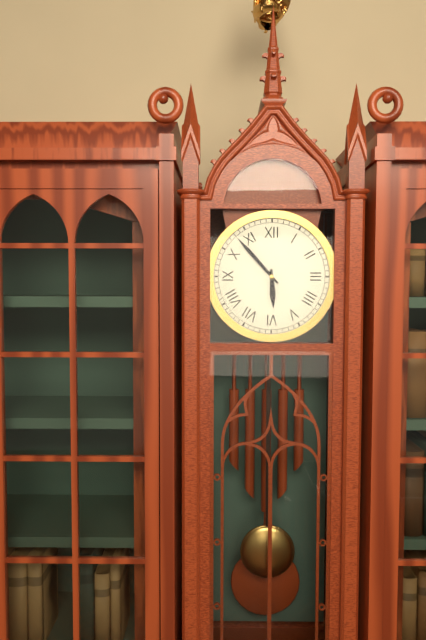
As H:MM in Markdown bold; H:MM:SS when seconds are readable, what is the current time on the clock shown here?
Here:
**5:53**
